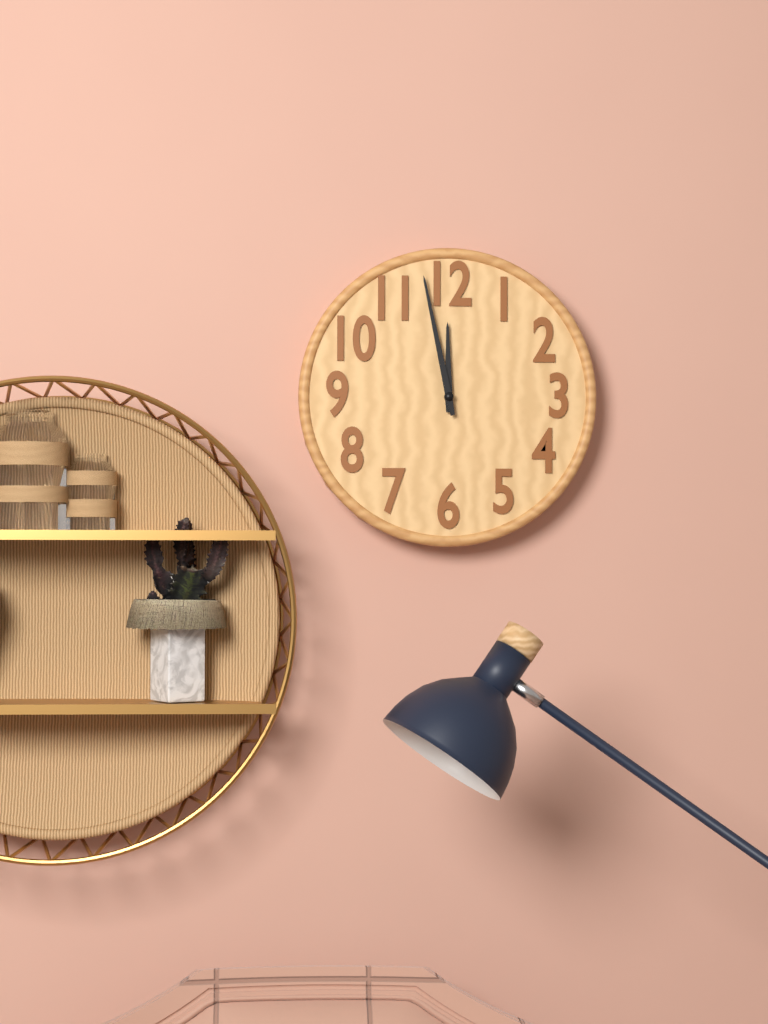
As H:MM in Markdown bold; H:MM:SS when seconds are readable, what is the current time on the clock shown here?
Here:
**11:58**
